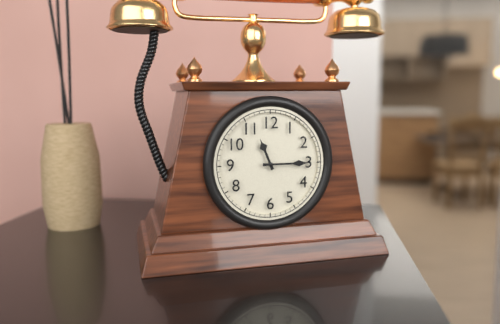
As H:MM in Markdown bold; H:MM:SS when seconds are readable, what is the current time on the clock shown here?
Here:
**11:15**
